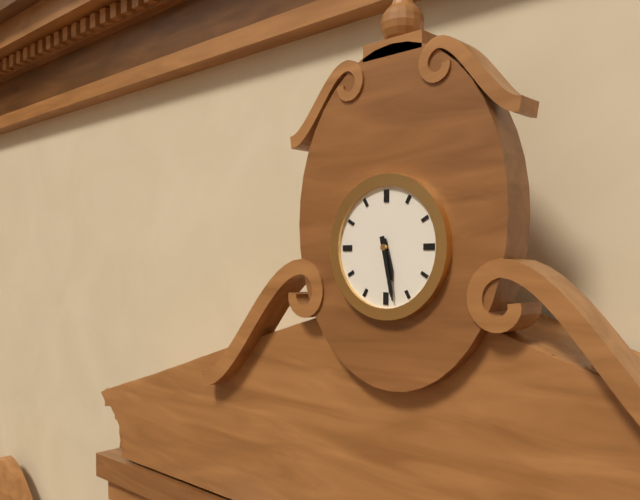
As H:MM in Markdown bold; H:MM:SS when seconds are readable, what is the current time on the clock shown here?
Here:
**5:28**
